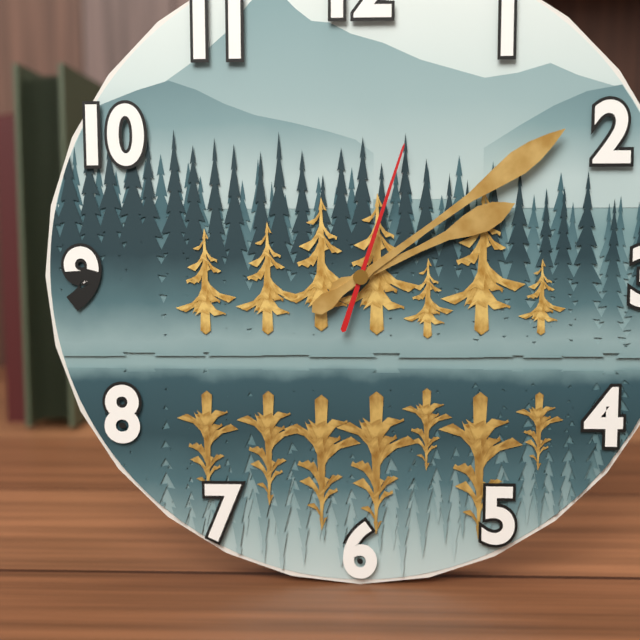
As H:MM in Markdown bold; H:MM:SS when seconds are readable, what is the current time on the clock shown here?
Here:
**2:09:03**
